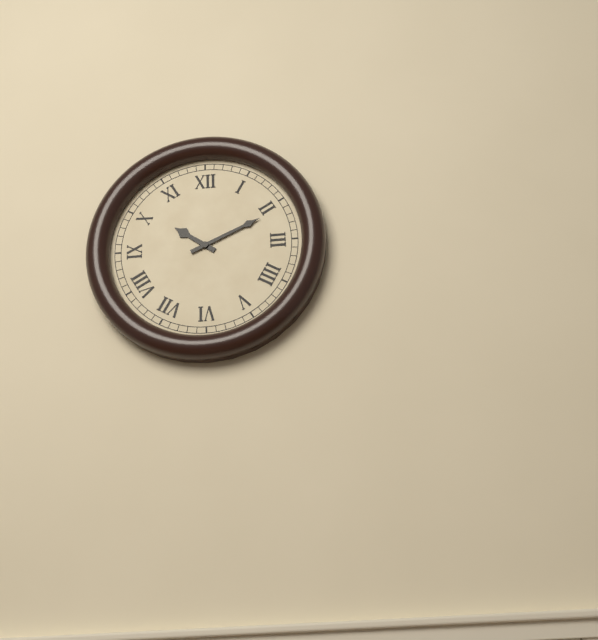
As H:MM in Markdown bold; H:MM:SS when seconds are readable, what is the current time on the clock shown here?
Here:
**10:11**
